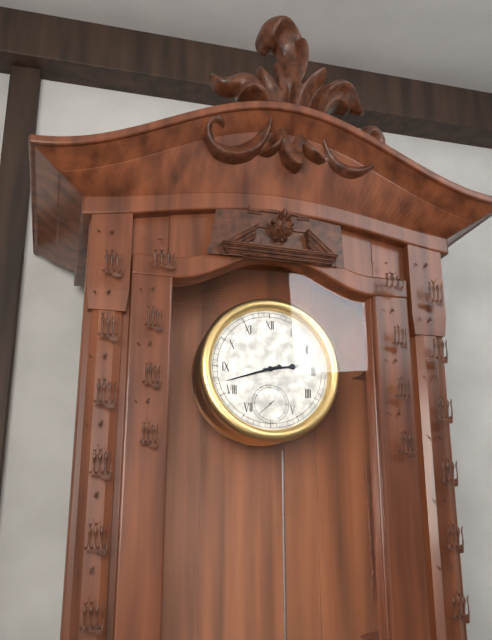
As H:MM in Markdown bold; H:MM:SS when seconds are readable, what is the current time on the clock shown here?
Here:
**2:42**
